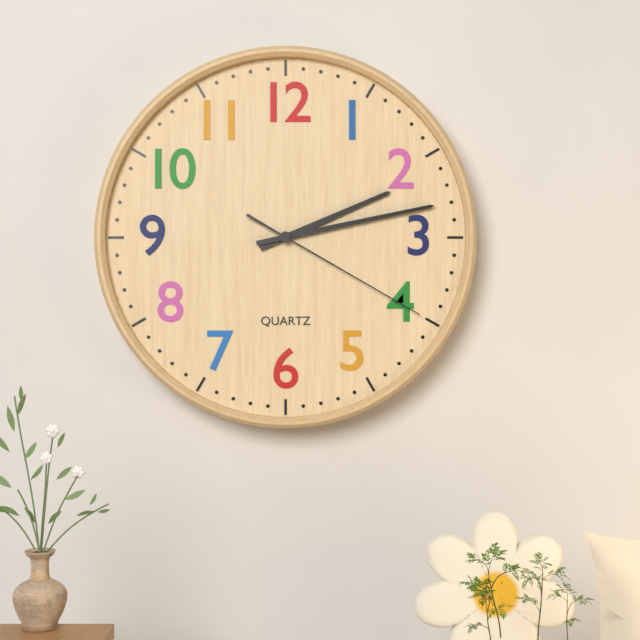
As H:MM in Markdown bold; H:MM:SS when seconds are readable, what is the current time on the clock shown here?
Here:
**2:13:20**
